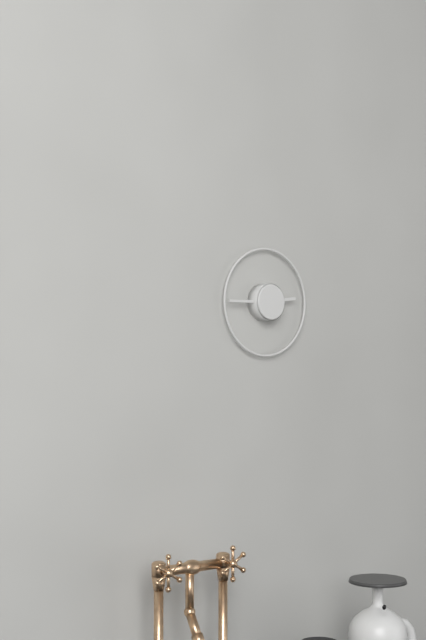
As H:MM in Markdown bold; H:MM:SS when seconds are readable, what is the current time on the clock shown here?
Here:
**2:45**
